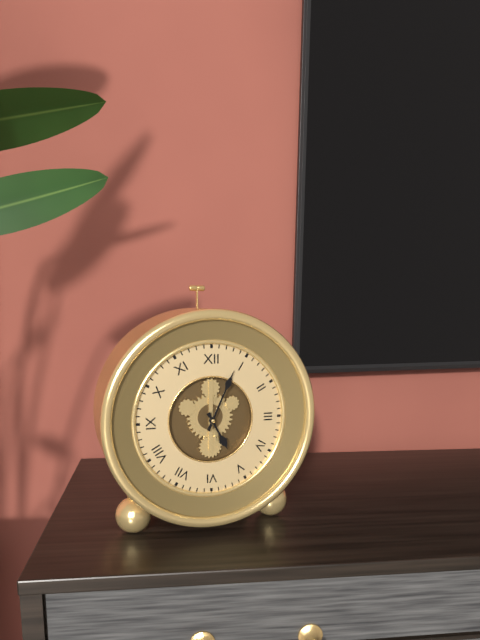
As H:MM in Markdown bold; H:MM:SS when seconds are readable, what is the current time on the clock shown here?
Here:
**5:04**
